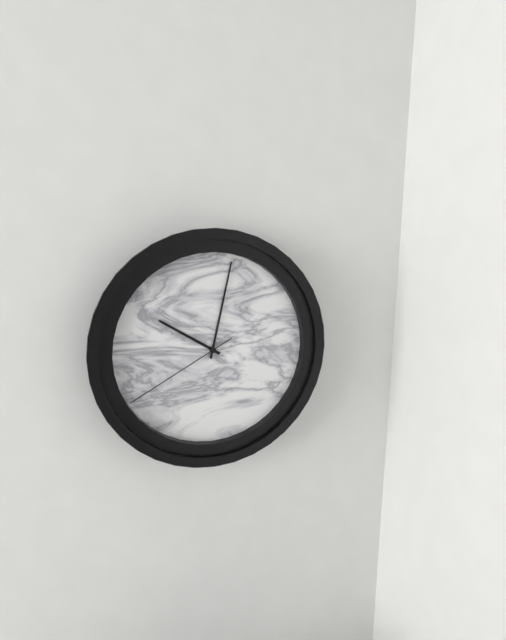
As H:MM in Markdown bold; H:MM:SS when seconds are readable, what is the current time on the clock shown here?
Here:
**10:02:40**
